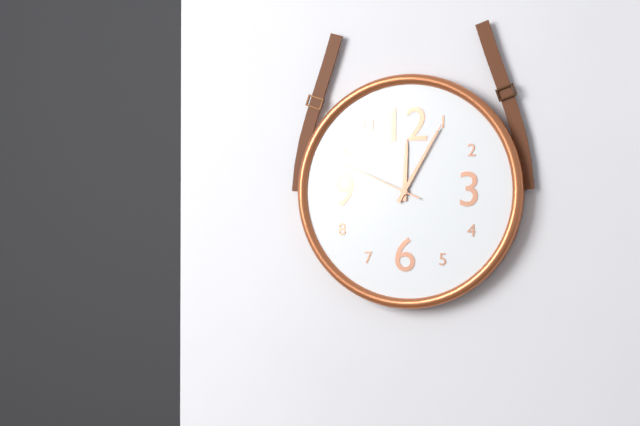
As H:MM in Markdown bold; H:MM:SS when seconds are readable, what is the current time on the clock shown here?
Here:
**12:05:49**
